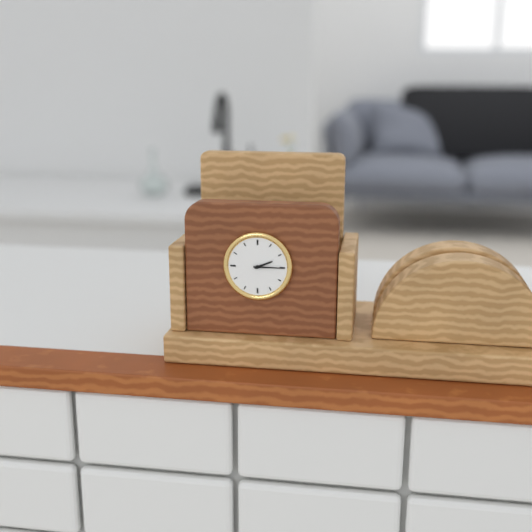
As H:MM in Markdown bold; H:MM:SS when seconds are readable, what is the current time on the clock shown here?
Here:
**2:15**
